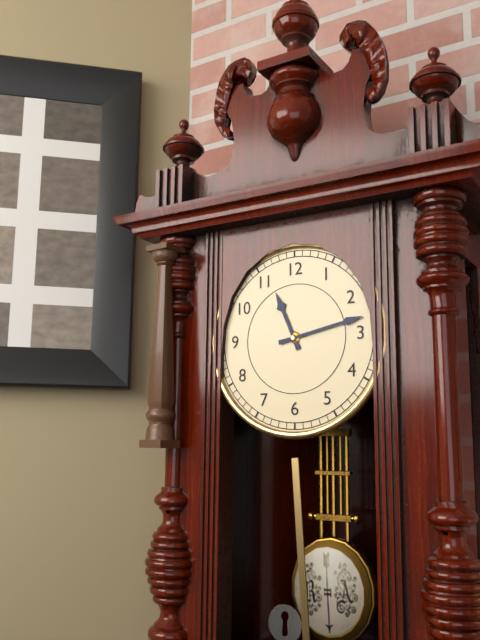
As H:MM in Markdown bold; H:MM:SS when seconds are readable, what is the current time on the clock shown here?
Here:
**11:13**
